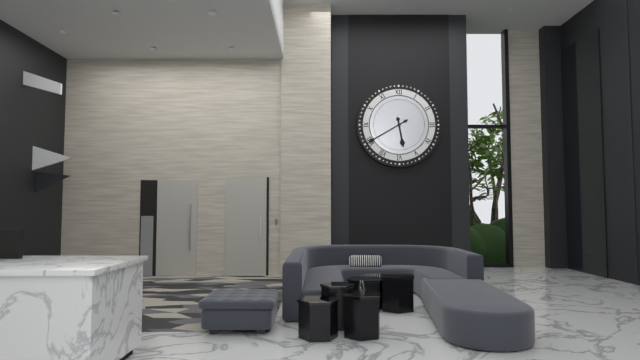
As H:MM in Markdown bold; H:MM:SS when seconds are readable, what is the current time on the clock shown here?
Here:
**5:40**
